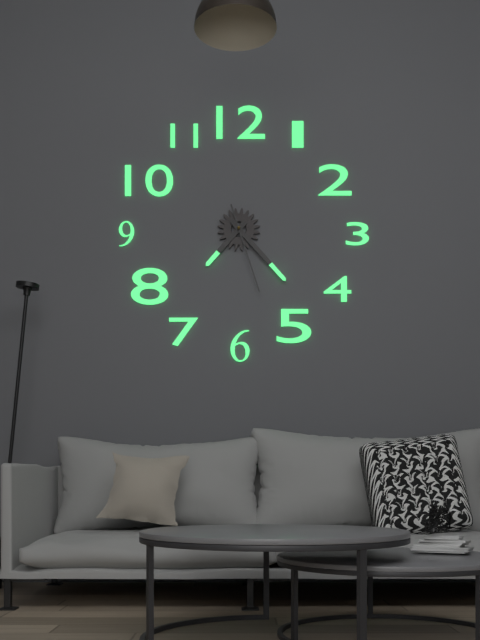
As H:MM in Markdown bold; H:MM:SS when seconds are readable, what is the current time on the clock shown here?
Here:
**7:23:27**
